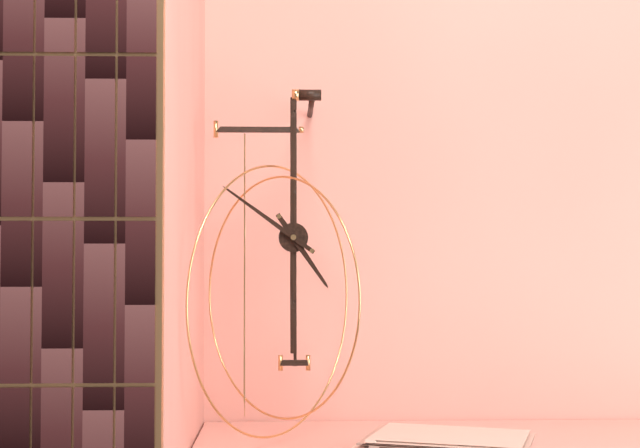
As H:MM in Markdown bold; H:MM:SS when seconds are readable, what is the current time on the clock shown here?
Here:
**4:51**
